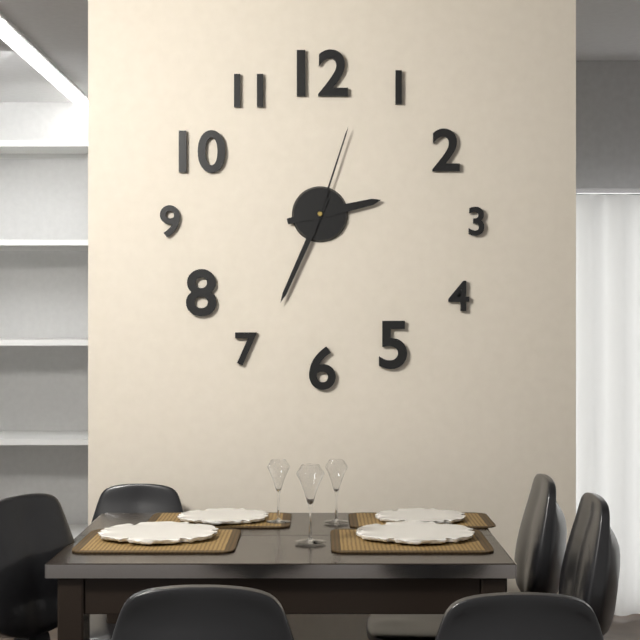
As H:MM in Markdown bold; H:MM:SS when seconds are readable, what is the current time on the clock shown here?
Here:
**2:34:03**
